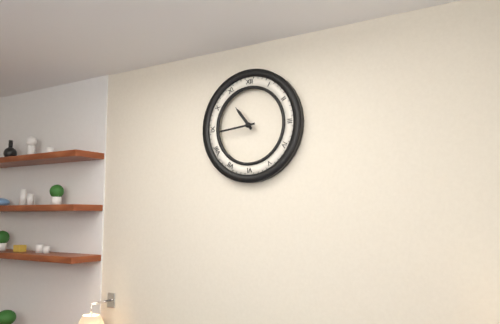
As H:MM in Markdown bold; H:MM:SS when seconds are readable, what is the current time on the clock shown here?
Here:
**10:44**
